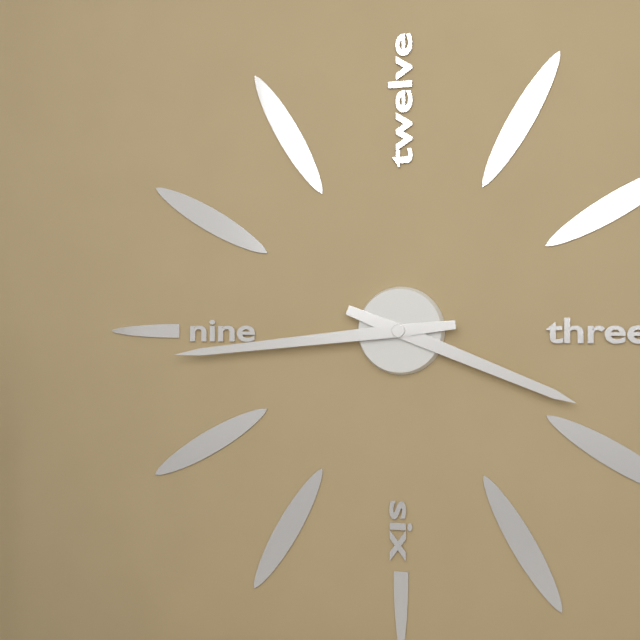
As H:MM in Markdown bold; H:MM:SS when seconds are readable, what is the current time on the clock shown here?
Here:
**3:44**
